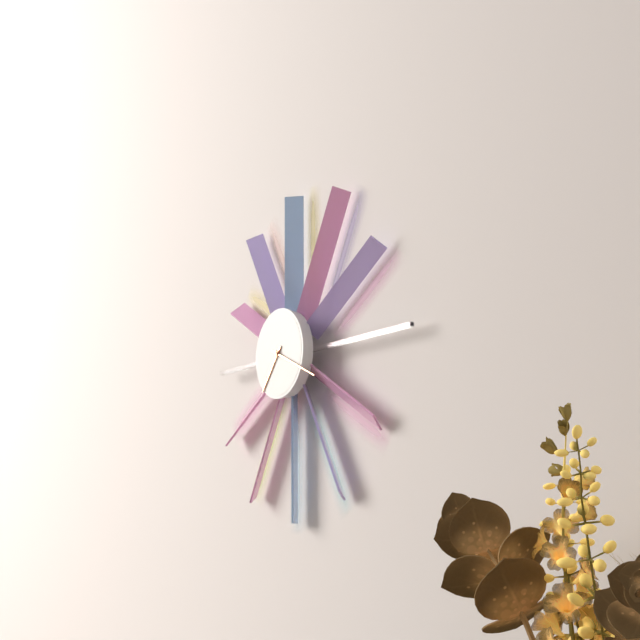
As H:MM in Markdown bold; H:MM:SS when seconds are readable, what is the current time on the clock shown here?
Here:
**7:19**
